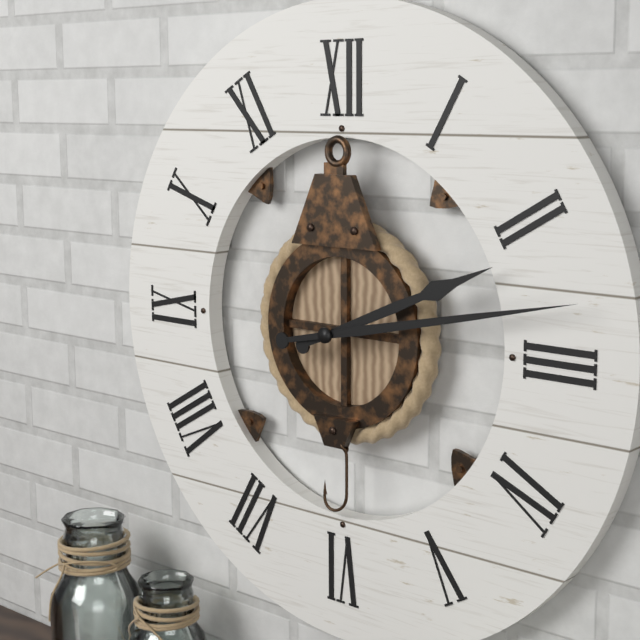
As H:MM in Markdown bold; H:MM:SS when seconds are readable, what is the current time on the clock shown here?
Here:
**2:13**
